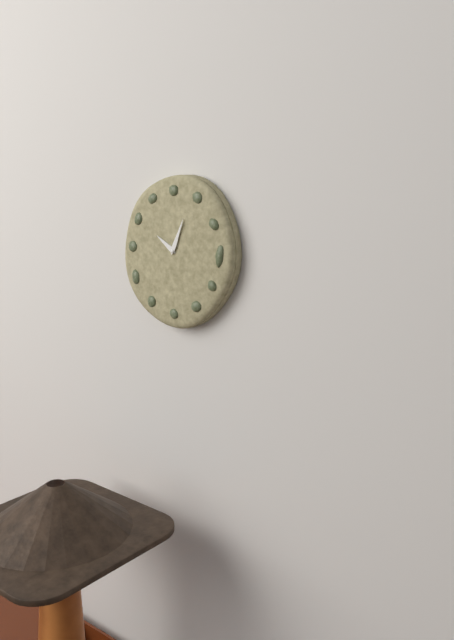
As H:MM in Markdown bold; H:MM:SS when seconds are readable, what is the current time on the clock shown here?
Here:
**10:04**
